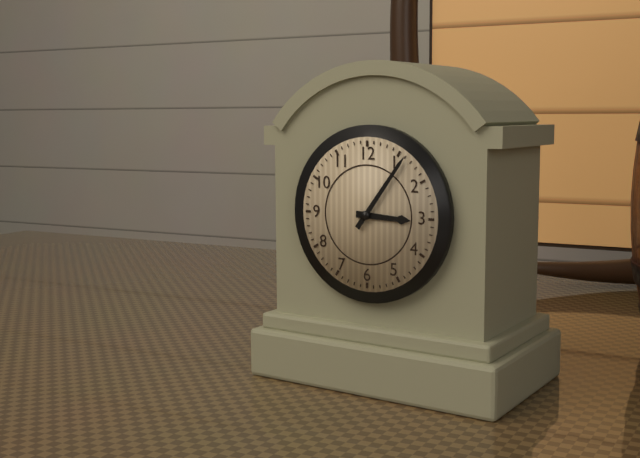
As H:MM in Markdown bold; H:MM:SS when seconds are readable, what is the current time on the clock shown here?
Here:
**3:06**
